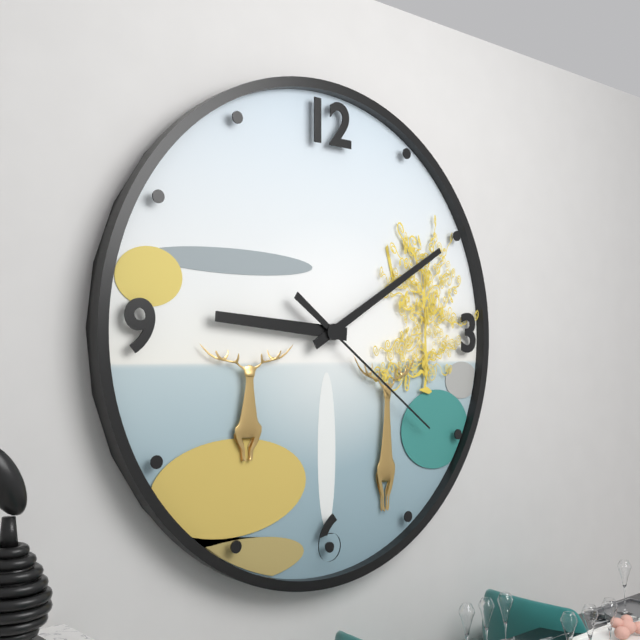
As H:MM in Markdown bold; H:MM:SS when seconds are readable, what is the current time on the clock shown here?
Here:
**9:10:21**
